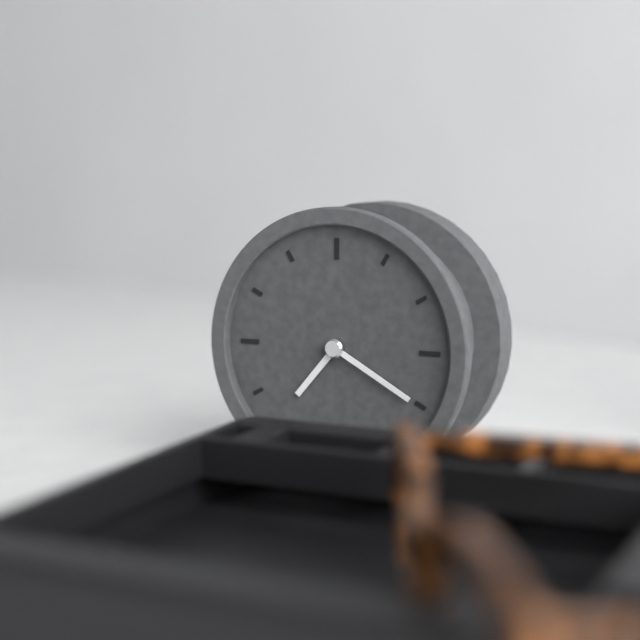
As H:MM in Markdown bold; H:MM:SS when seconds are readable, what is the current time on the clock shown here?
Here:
**7:20**
